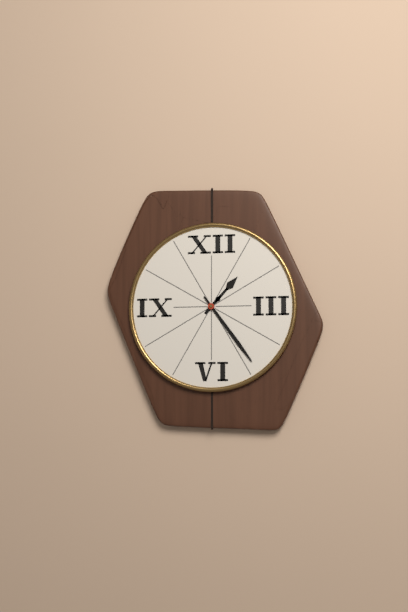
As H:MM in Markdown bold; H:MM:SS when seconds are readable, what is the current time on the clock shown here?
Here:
**1:24**
